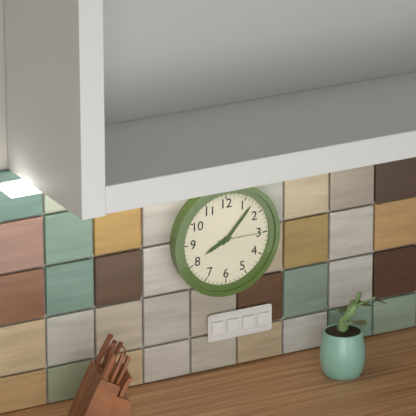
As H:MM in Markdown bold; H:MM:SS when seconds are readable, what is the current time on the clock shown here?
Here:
**8:07**
